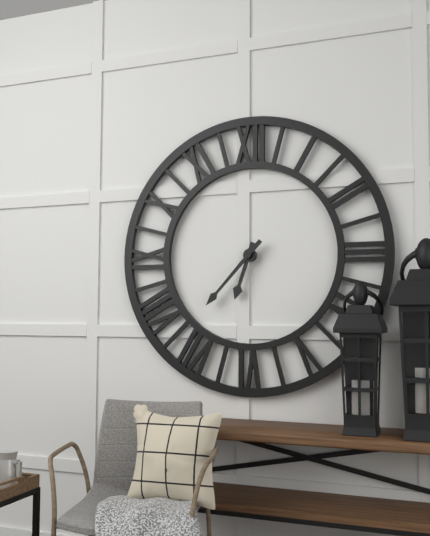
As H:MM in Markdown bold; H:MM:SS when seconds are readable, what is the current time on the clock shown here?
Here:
**6:37**
